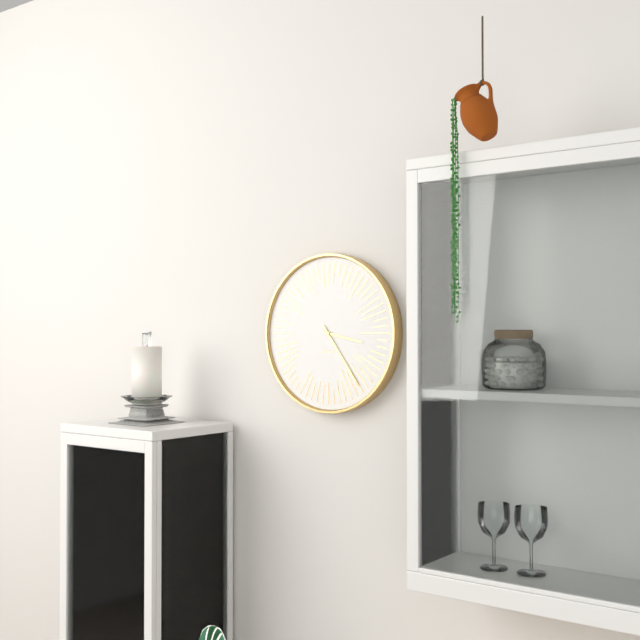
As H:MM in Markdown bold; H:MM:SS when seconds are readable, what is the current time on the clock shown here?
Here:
**3:24**
